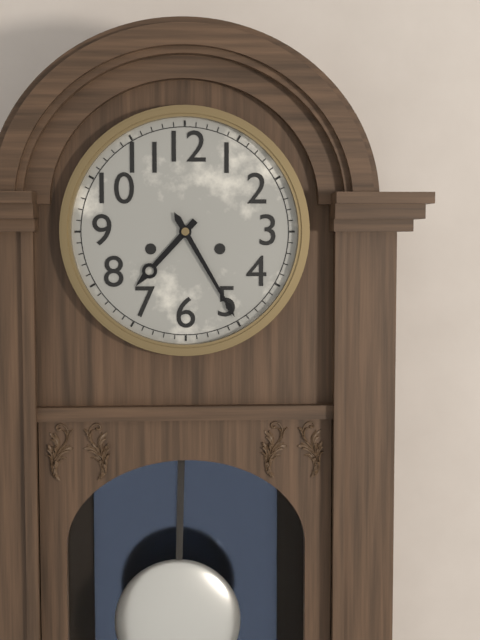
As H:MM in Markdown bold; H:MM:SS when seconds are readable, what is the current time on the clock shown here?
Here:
**7:25**
